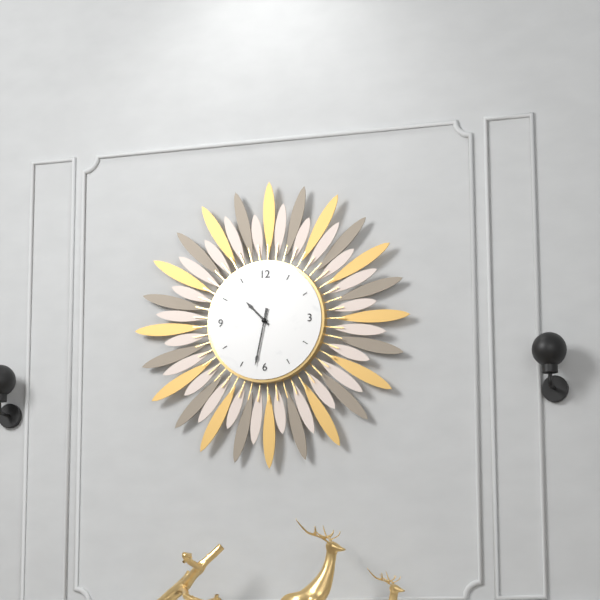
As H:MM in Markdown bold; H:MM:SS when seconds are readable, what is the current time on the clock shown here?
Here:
**10:32**
